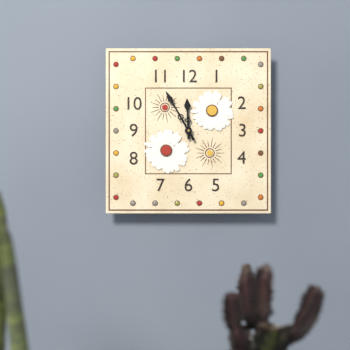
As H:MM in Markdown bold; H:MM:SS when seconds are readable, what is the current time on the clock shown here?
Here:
**11:55**
